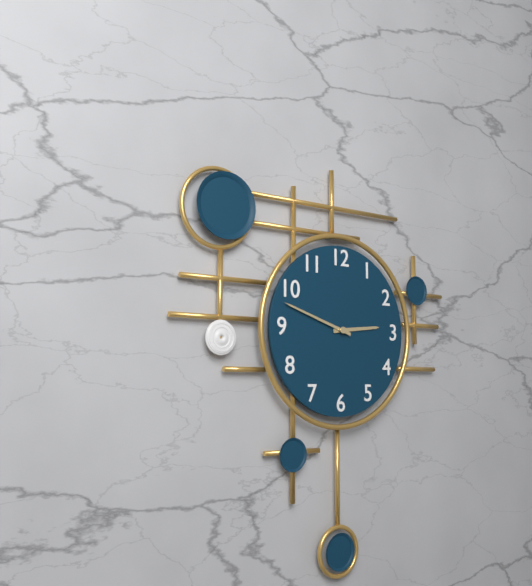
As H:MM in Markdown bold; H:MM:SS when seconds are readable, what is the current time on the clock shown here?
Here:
**2:48**
